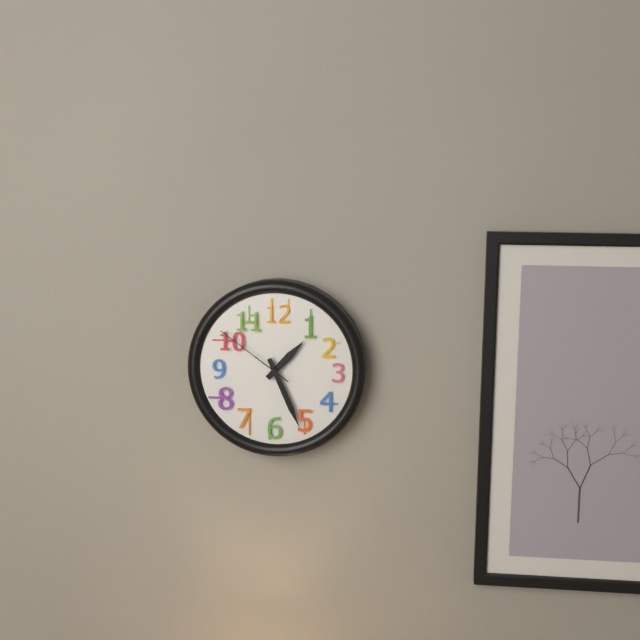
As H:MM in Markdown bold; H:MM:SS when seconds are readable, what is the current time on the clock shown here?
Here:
**1:26:51**
